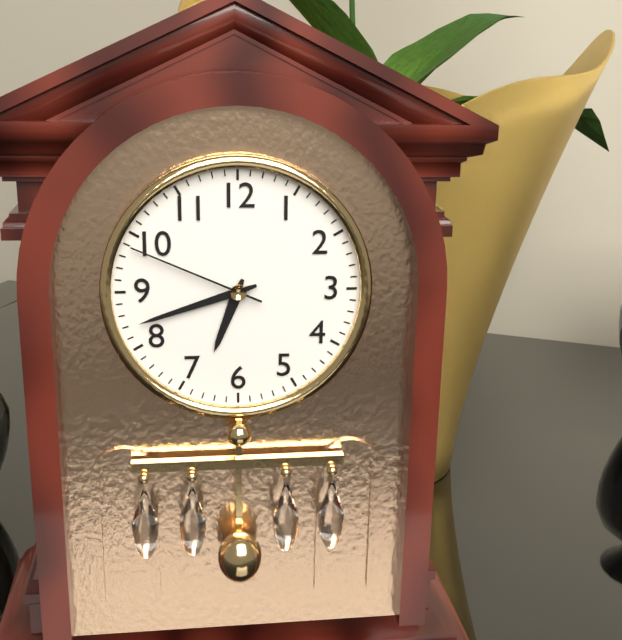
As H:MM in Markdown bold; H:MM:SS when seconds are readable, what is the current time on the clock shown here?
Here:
**6:42:49**
